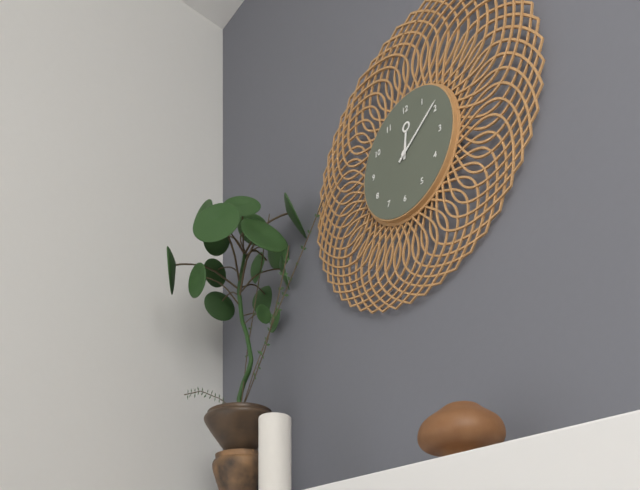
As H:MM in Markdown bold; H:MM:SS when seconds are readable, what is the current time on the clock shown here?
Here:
**12:09**
